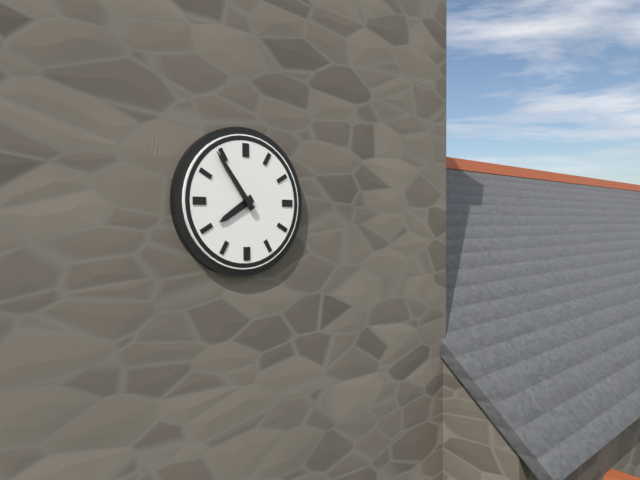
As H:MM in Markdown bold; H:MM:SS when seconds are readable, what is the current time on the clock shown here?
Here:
**7:54**
